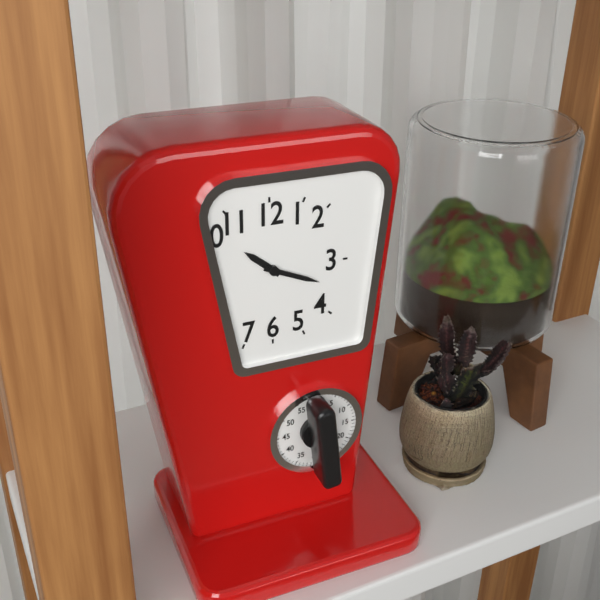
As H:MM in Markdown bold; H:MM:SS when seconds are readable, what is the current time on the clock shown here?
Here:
**10:19**
